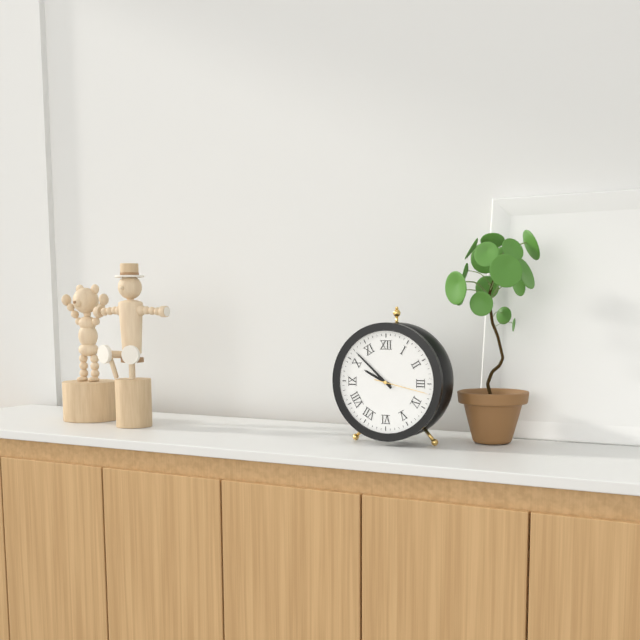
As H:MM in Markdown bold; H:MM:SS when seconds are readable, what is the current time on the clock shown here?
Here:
**9:52:17**
